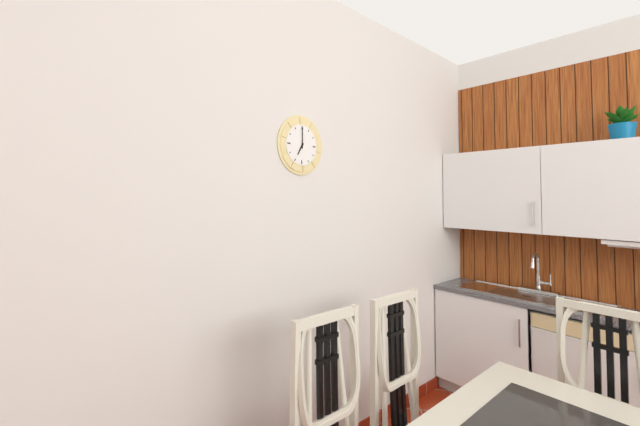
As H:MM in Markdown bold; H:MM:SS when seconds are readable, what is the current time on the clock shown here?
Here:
**7:00**
